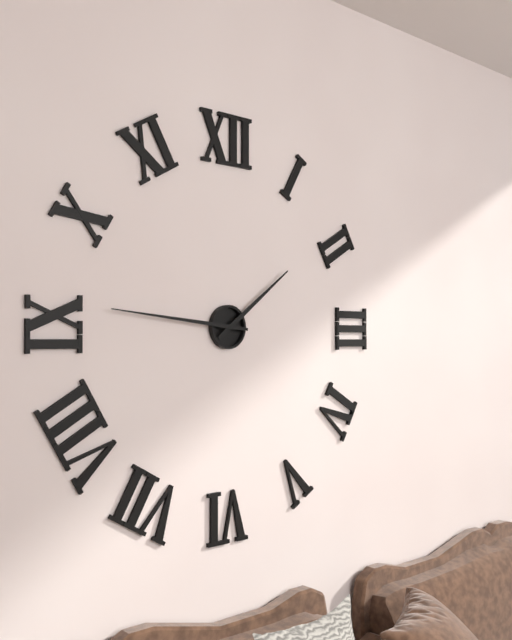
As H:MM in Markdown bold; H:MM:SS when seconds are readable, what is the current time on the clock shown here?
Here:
**1:46**
